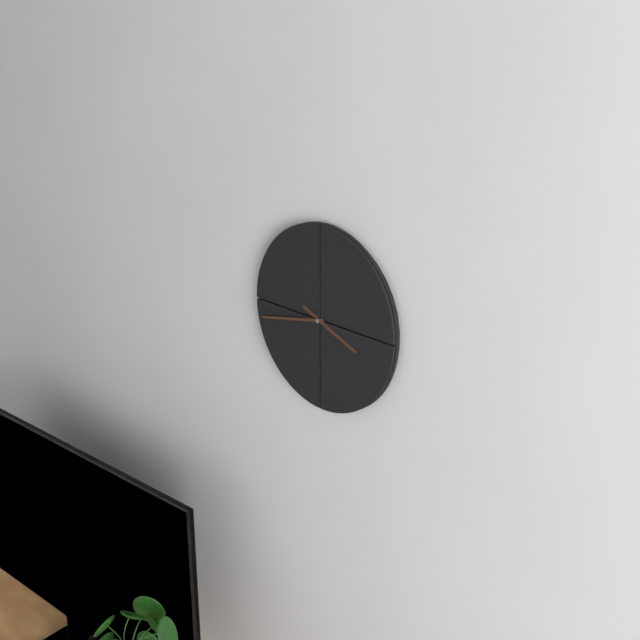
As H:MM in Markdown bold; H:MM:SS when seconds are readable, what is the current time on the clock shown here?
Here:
**3:43**
